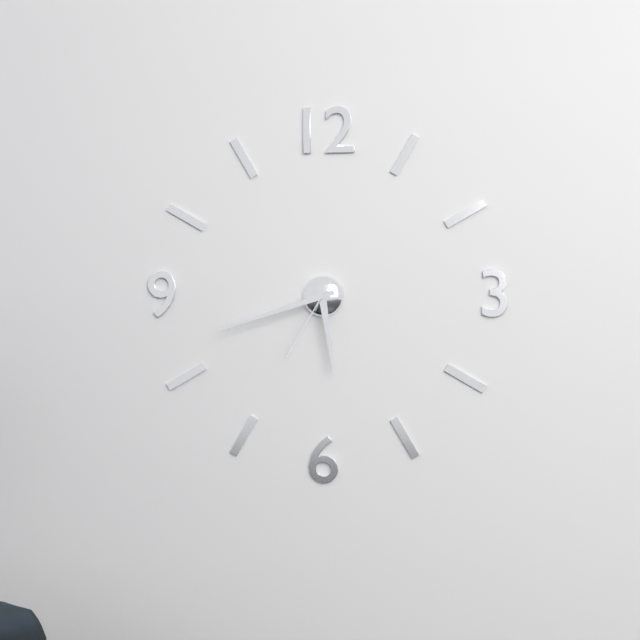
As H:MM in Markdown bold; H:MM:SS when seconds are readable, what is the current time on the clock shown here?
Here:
**5:42:35**
